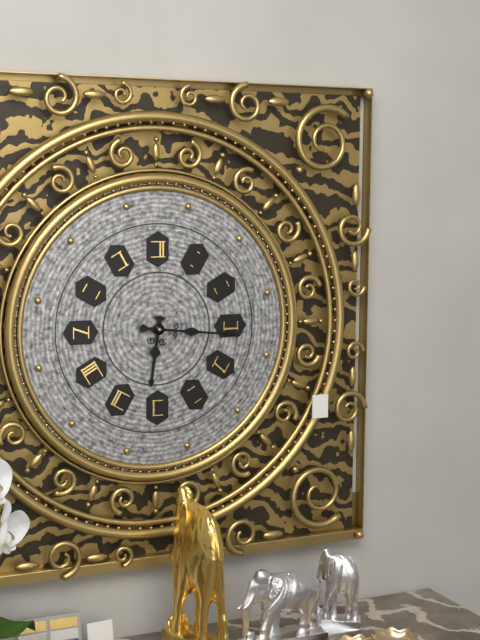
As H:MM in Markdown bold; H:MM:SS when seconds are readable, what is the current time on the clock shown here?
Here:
**6:16**
